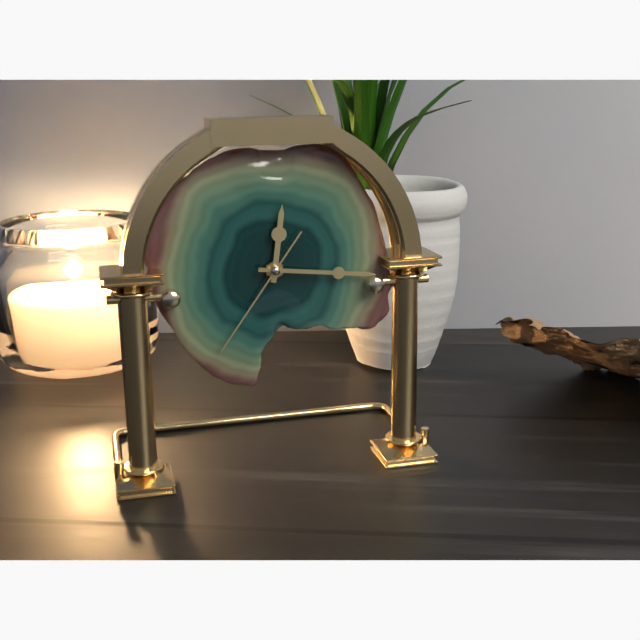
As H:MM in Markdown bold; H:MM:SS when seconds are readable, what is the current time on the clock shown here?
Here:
**12:16:36**
